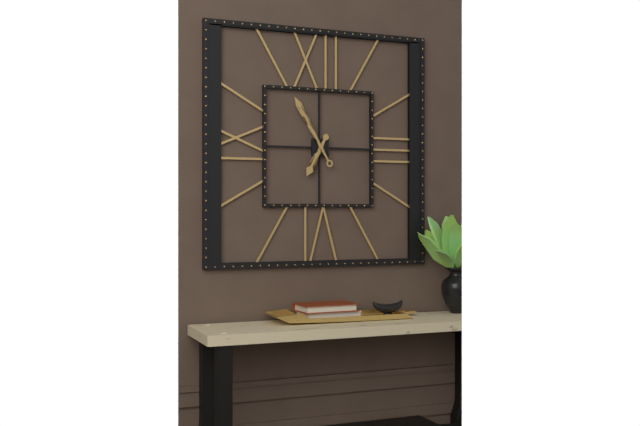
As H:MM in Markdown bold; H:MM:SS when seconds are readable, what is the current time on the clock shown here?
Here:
**6:55**
